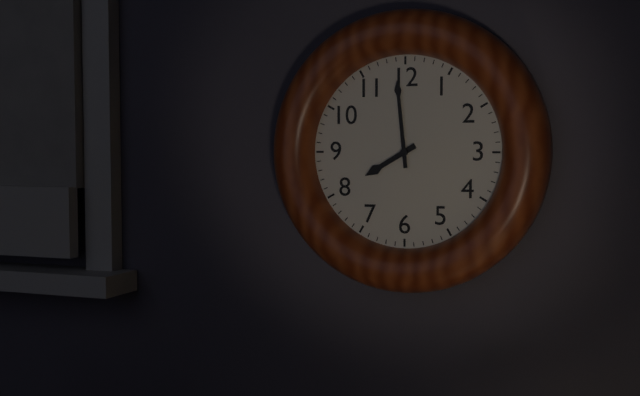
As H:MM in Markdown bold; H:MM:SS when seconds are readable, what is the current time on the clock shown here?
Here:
**7:59**
